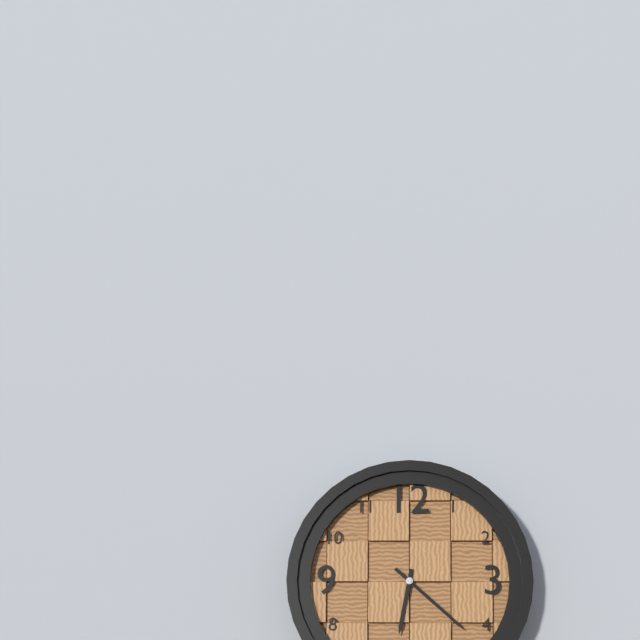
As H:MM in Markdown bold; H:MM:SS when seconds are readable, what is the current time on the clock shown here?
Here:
**6:22**
